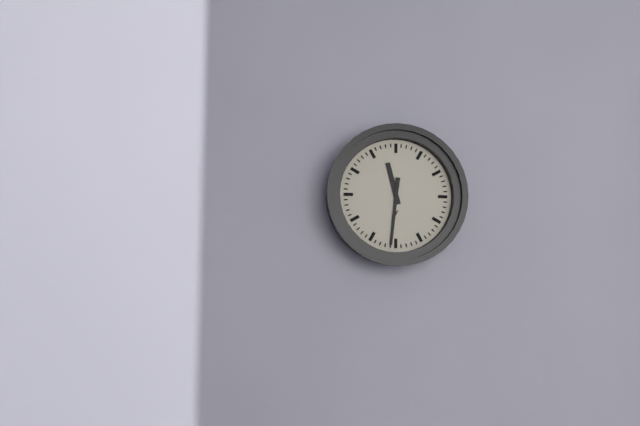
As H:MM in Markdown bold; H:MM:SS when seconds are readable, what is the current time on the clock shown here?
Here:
**11:31**
